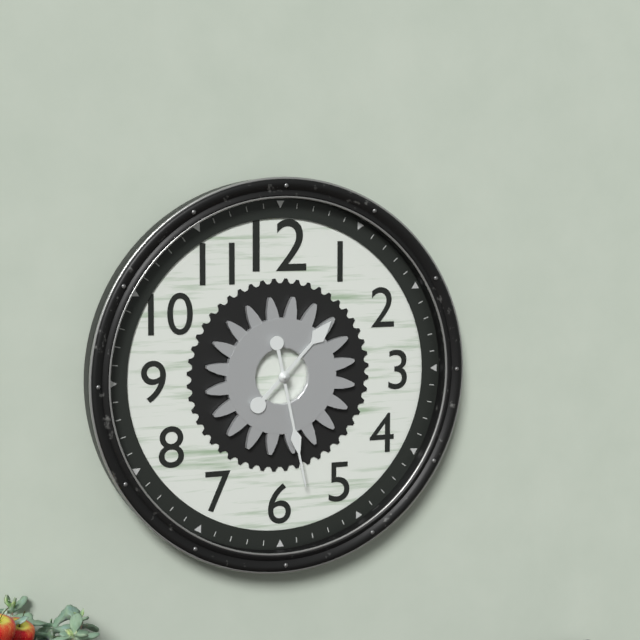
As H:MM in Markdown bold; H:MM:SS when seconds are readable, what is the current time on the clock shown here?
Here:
**1:28**
